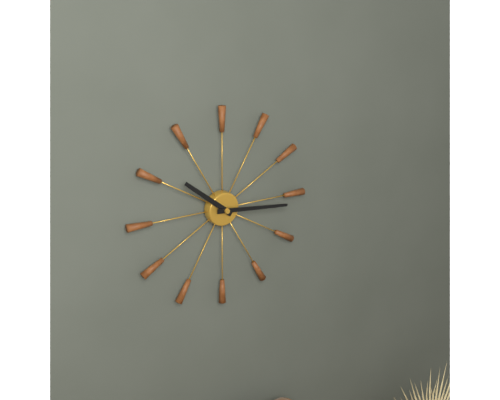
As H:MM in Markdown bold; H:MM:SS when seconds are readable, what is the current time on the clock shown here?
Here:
**10:16**
